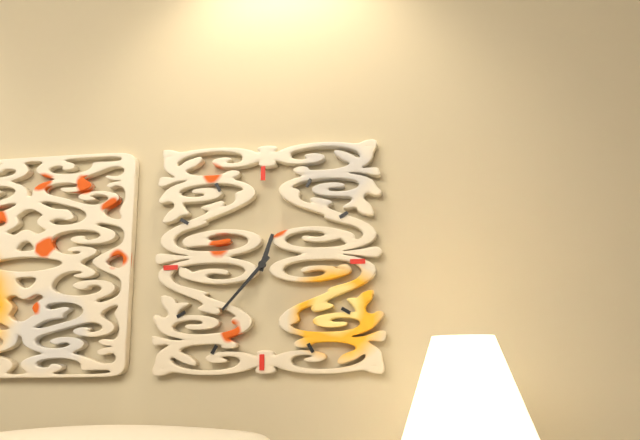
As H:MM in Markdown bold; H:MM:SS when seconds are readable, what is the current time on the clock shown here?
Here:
**12:37**
